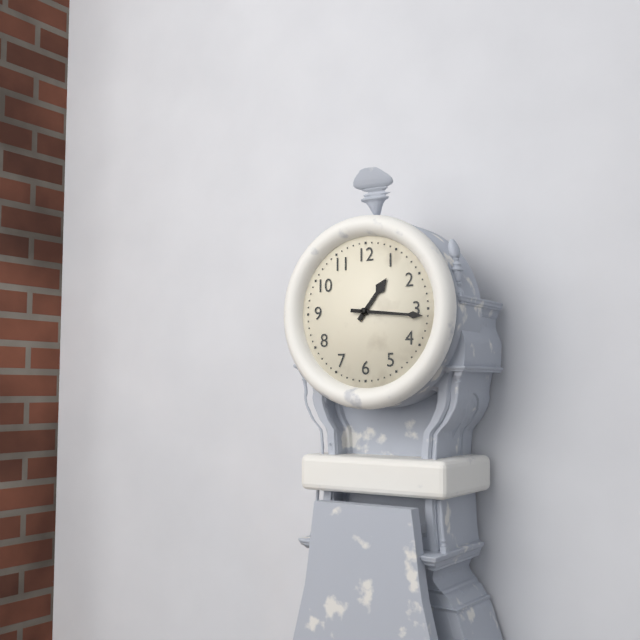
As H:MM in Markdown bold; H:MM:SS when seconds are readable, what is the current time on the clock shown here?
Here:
**1:16**
